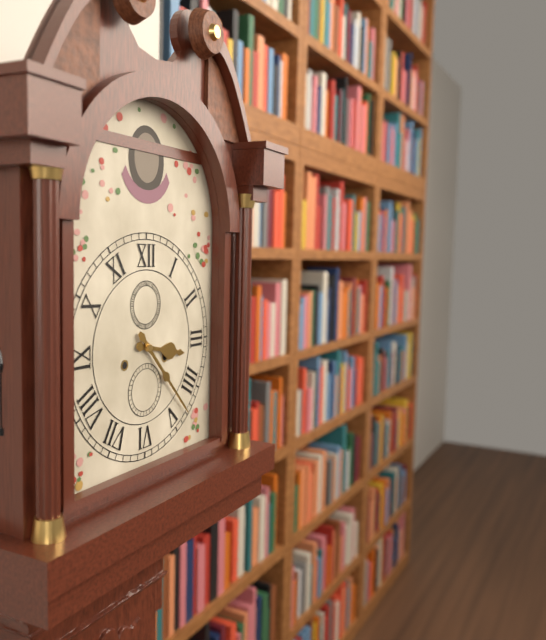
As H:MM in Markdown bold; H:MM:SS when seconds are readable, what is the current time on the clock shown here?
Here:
**3:23**
